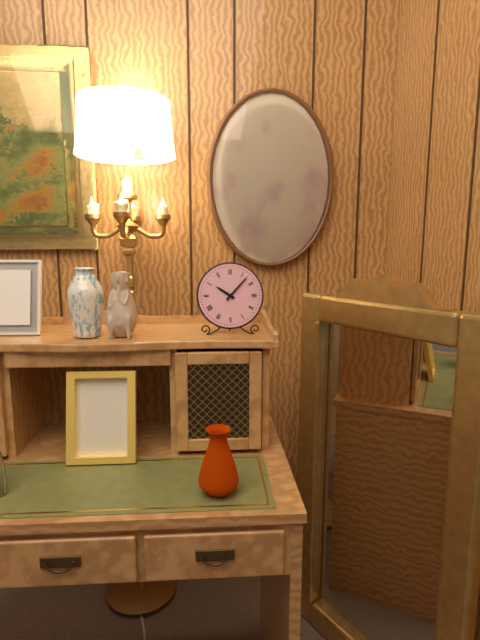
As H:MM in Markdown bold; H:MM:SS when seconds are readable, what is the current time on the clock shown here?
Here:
**10:07**
